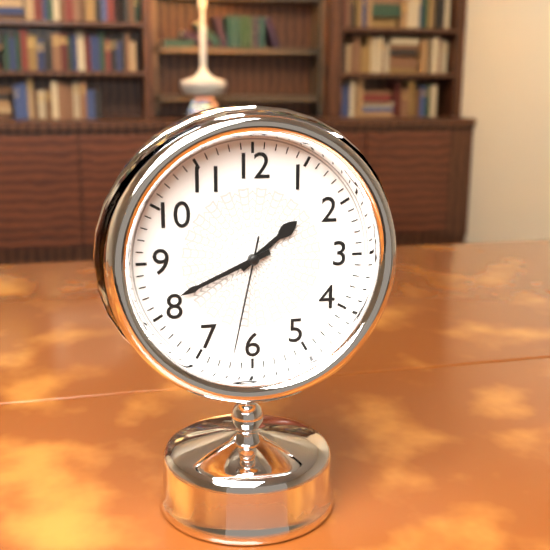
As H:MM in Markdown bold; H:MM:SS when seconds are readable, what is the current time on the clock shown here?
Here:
**1:41:32**
